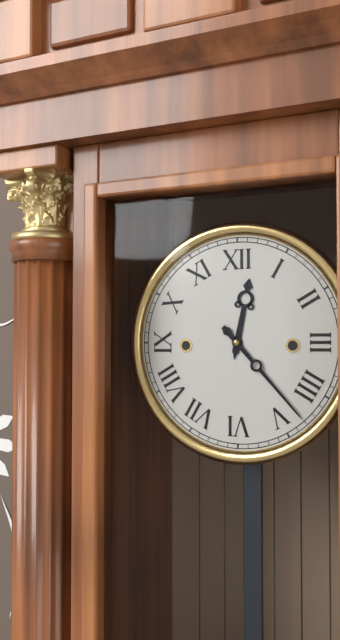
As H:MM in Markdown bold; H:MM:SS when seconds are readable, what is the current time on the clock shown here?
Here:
**12:23**
